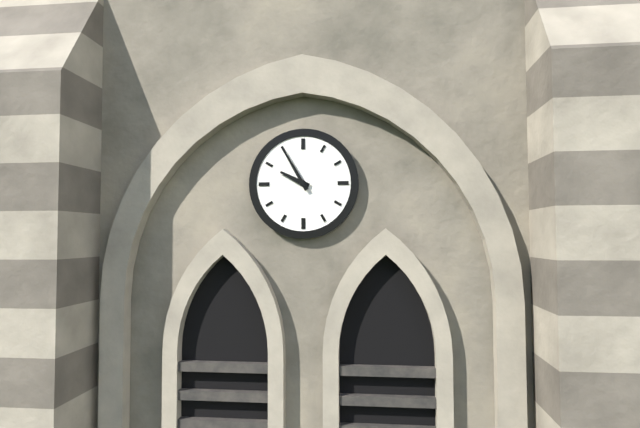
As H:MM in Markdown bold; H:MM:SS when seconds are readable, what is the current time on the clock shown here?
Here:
**9:55**
